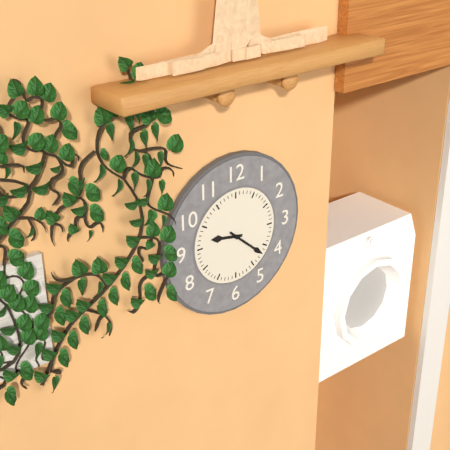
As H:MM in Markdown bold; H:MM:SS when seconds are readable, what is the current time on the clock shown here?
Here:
**9:22**
